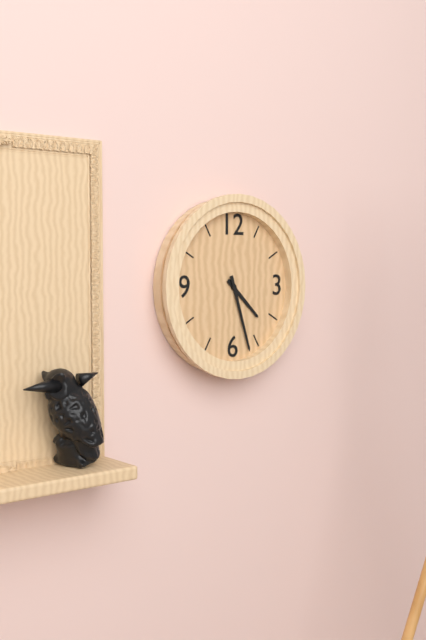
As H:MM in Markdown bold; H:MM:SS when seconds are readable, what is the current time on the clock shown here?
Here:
**4:27**
